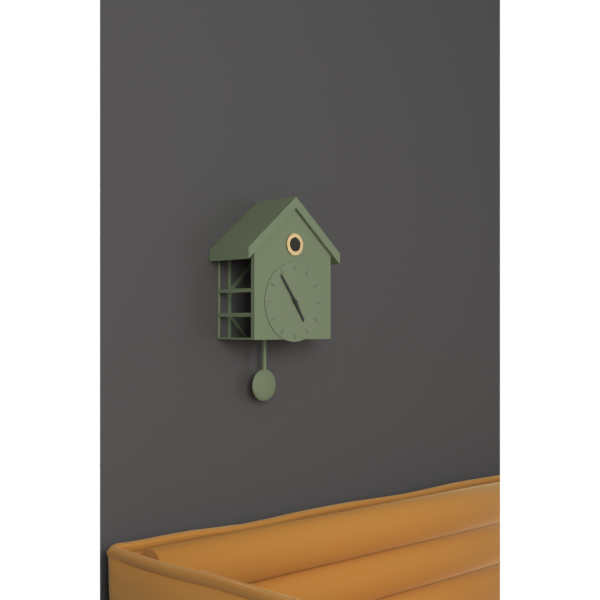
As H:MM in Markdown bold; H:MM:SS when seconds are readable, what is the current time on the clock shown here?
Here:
**4:54**
